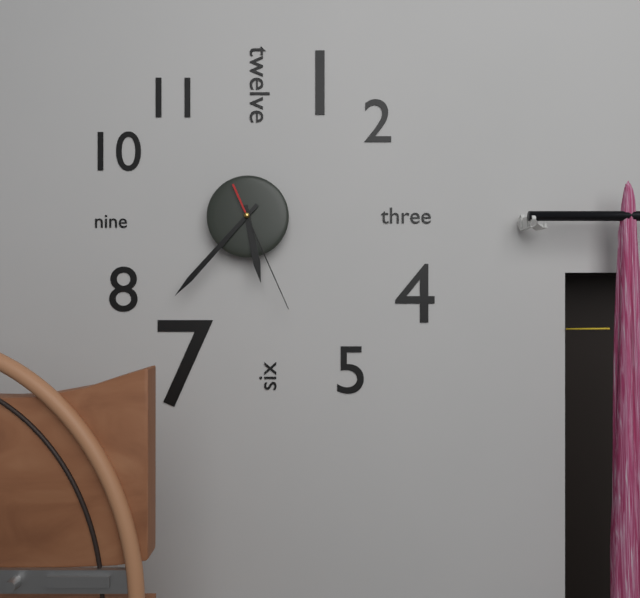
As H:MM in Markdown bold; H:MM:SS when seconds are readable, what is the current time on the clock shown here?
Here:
**5:37:26**
